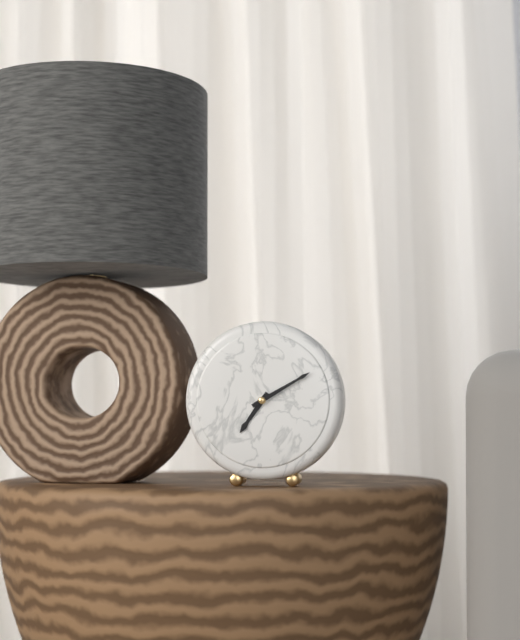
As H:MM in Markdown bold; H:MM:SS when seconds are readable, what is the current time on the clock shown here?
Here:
**7:10**
